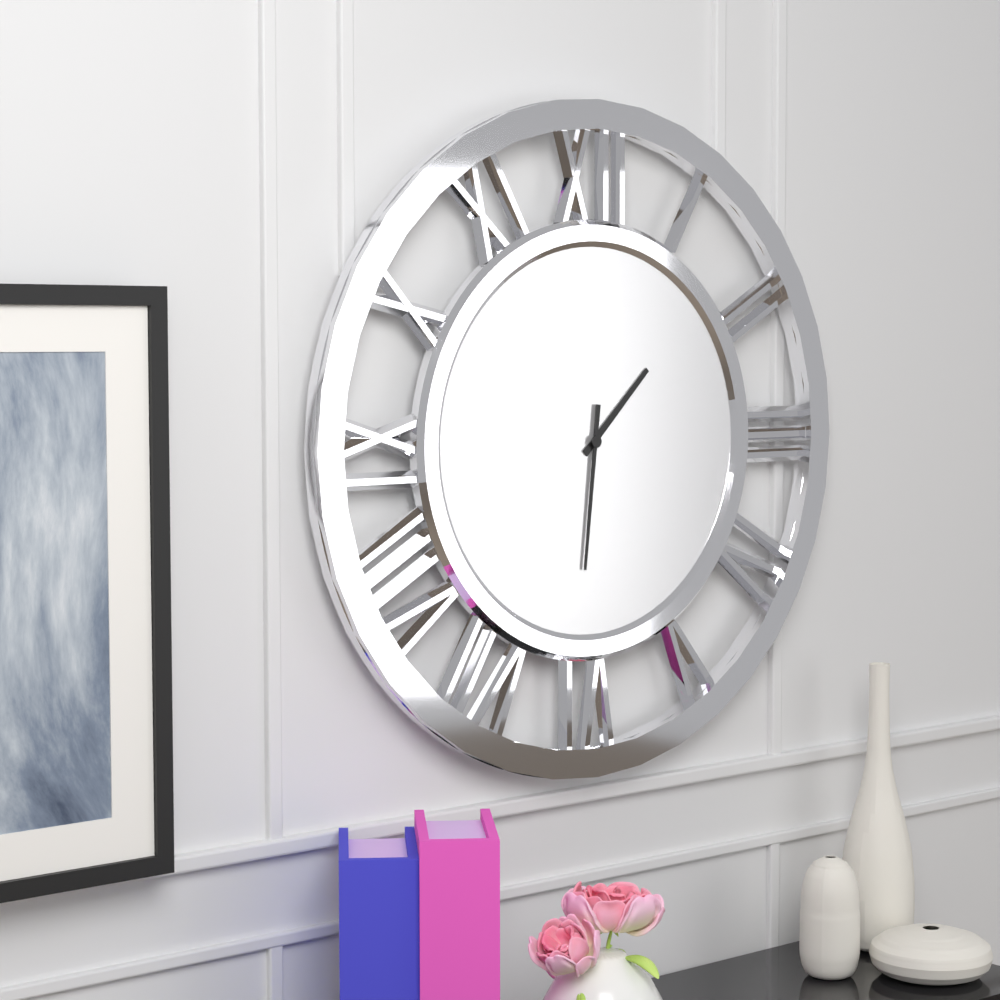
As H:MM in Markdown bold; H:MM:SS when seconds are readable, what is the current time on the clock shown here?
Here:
**1:31**
